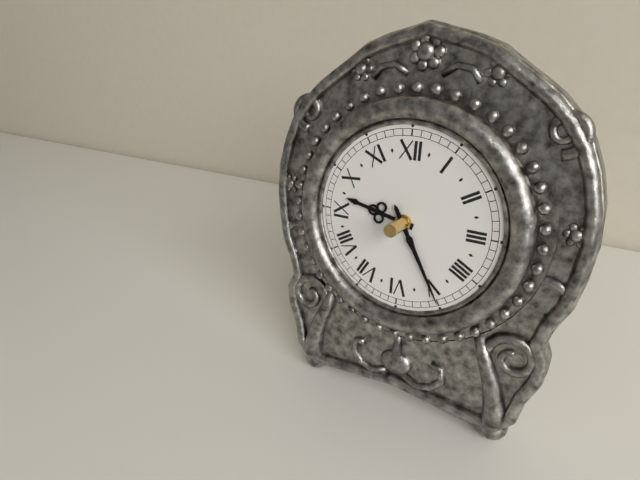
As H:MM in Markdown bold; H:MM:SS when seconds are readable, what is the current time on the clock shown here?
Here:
**9:25**
